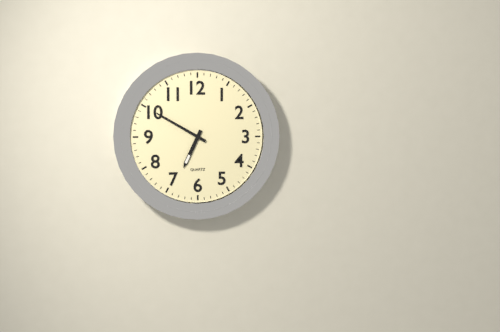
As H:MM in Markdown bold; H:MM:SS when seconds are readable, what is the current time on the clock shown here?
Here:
**6:50**
